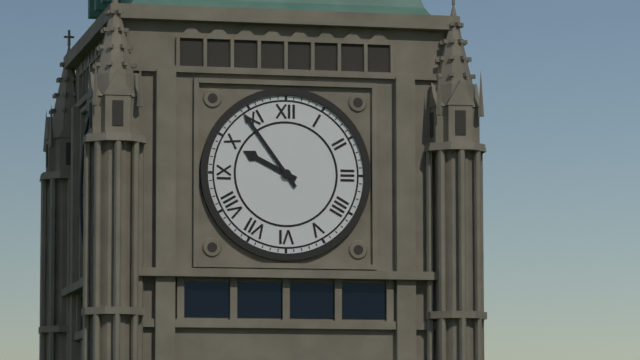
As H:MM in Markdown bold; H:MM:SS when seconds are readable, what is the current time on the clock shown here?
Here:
**9:54**
